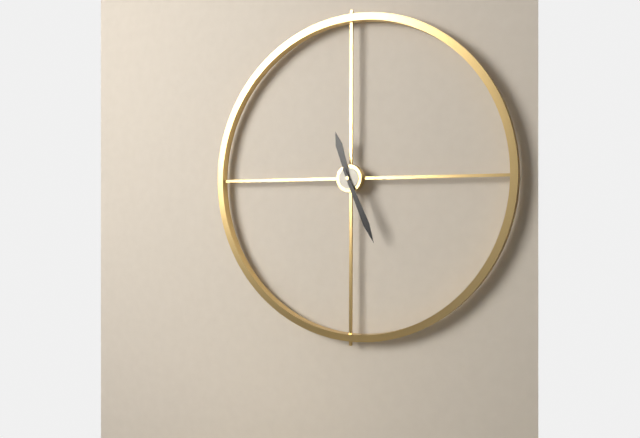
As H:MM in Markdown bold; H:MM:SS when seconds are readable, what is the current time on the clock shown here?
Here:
**11:26**
